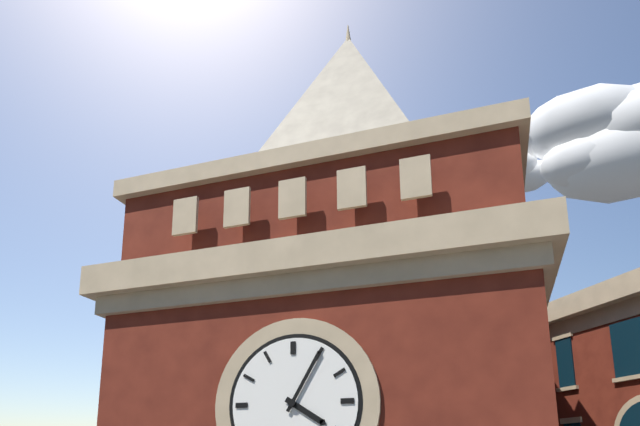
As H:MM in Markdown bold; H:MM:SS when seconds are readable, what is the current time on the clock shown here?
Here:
**4:05**
